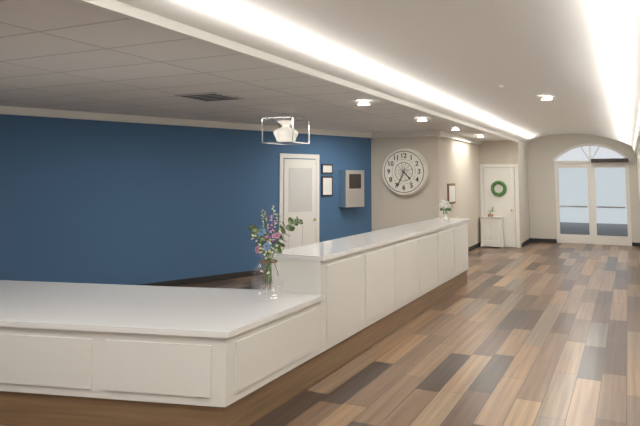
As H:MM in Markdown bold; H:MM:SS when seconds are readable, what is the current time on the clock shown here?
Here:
**4:34**
